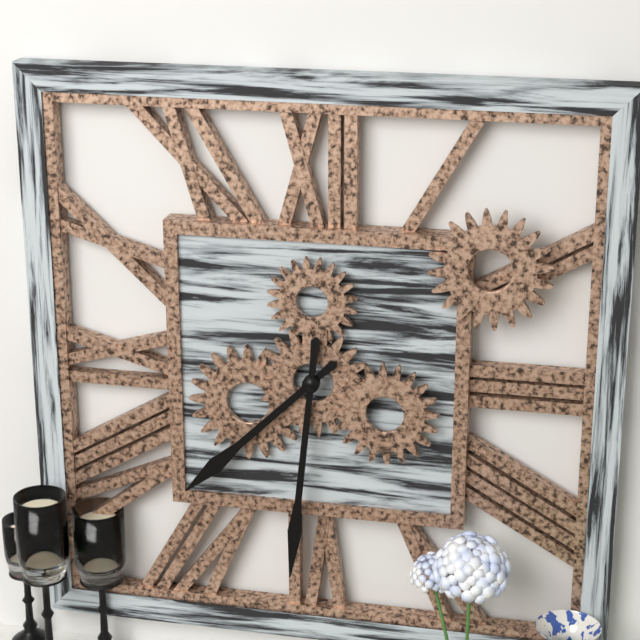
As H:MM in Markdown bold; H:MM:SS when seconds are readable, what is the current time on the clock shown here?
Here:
**7:31**
